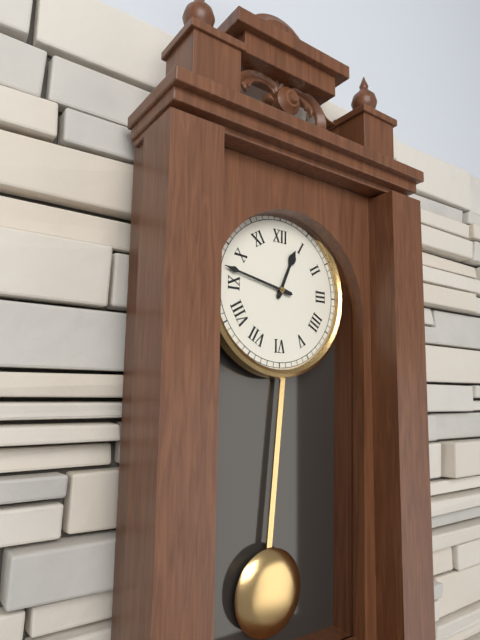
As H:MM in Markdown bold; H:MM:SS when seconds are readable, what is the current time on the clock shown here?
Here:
**12:47**
